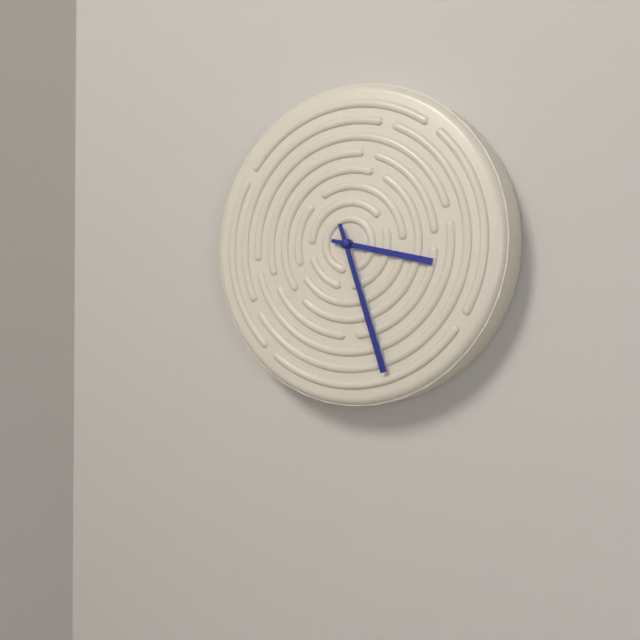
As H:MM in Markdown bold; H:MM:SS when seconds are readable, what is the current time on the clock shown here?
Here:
**3:27**
